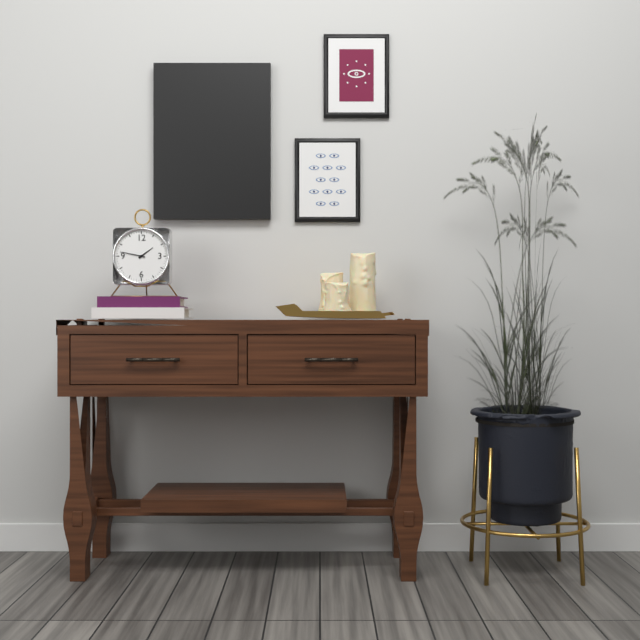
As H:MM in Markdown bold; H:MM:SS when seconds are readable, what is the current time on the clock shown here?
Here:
**1:47**
